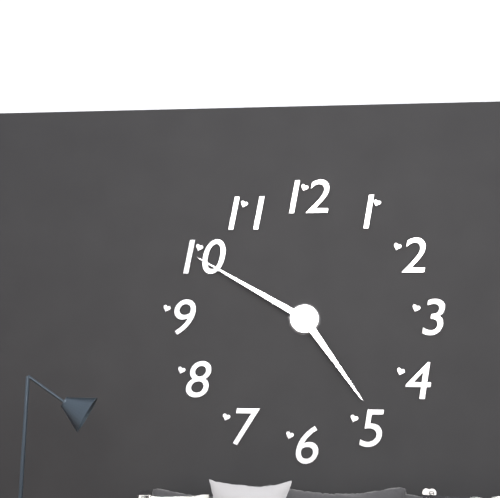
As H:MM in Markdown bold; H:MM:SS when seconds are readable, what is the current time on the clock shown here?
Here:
**4:50**
